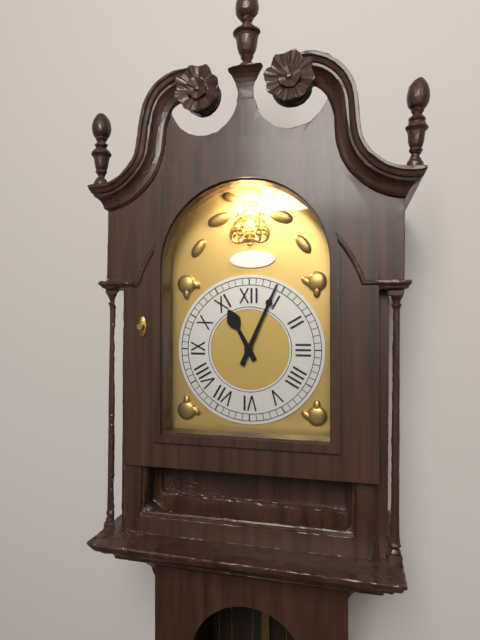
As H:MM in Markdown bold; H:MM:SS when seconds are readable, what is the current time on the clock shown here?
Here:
**11:04**
